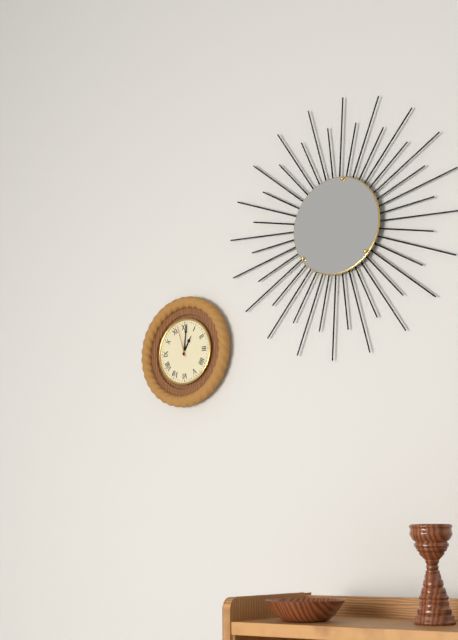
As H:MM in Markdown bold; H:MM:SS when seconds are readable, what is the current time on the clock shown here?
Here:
**1:01**
